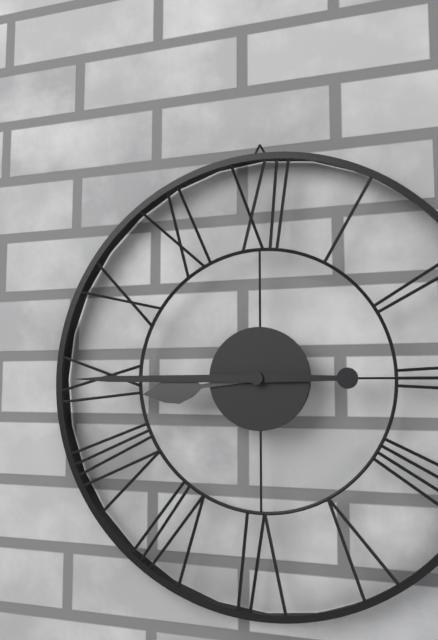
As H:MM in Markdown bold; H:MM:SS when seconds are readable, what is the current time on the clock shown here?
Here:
**8:45**
